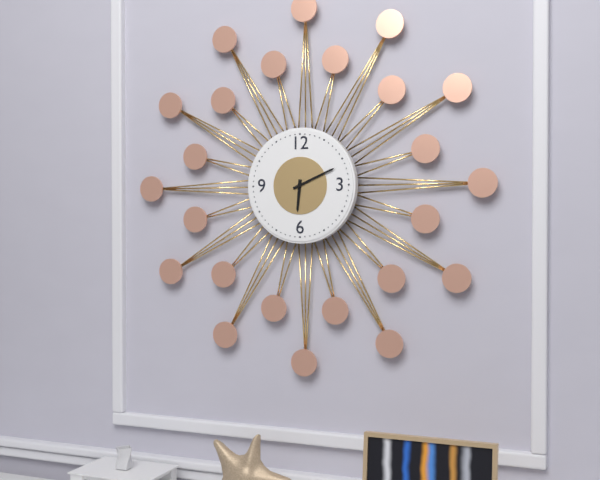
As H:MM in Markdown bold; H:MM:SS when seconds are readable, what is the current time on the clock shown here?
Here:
**6:11**
